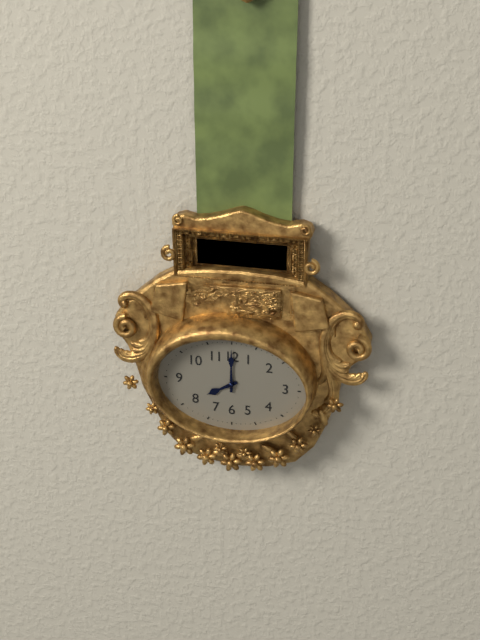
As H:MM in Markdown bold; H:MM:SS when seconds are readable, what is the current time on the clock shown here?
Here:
**8:00**
